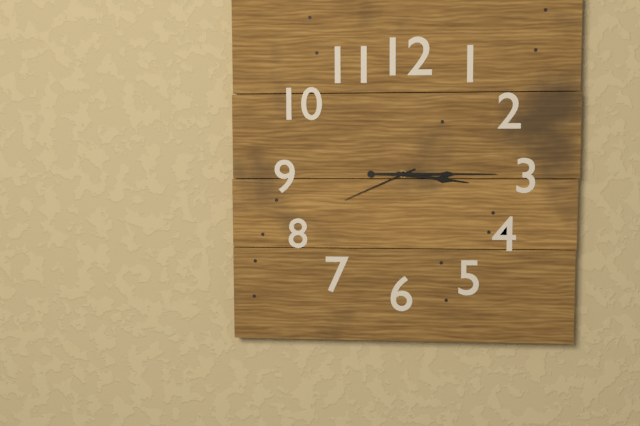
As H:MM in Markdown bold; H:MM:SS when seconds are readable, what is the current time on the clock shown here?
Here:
**3:15:41**
